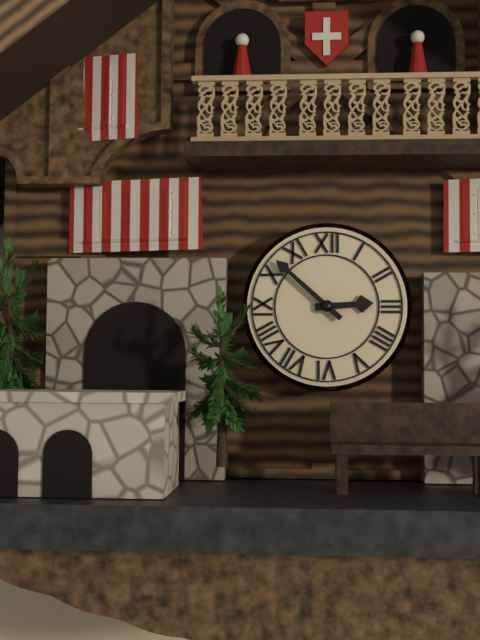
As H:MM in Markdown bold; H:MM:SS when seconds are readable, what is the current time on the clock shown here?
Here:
**2:52**
